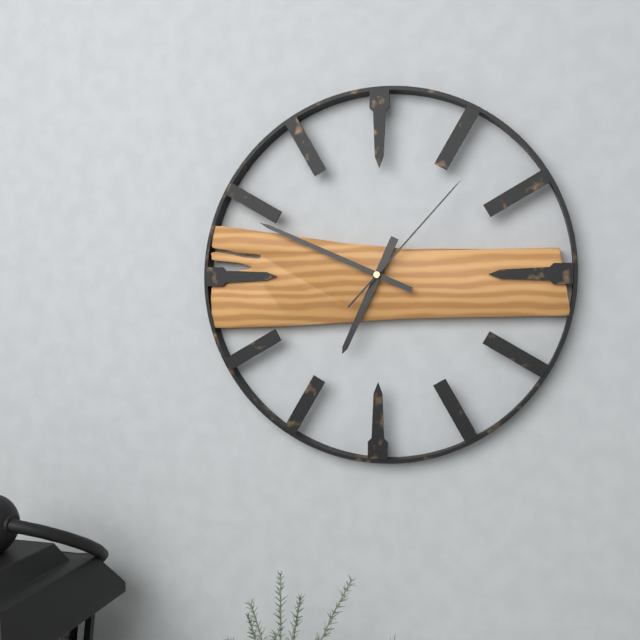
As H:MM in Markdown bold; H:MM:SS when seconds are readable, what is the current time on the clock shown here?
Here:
**6:49:07**
